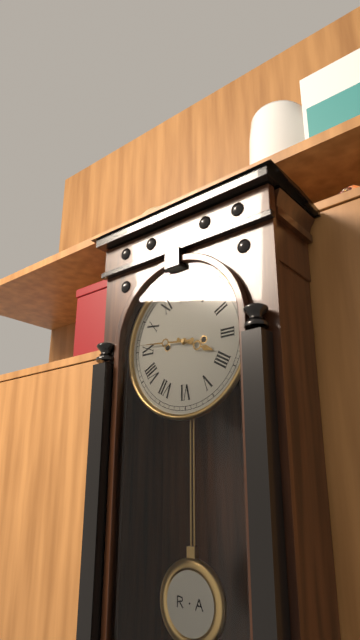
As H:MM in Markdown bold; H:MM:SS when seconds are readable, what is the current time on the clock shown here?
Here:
**3:46**
